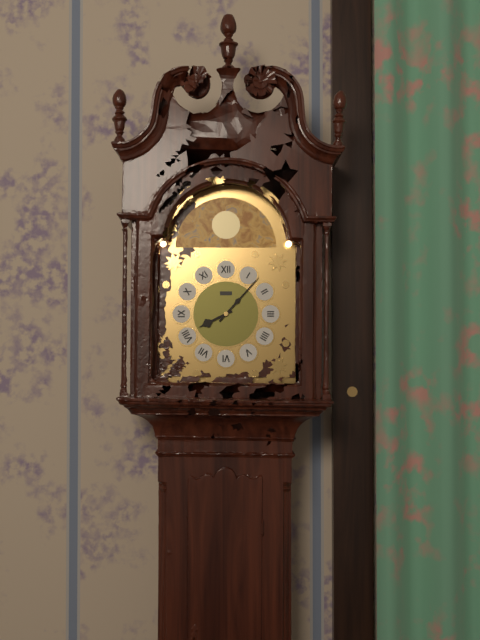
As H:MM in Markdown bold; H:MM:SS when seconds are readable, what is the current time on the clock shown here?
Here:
**8:07**
